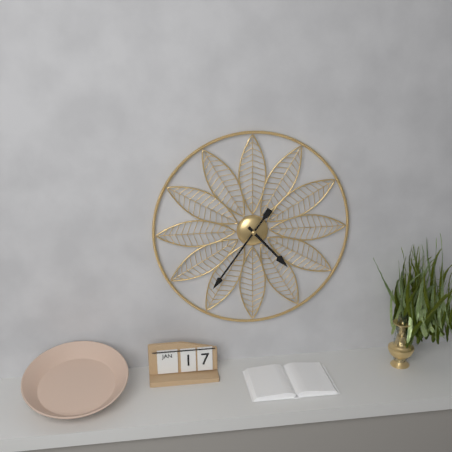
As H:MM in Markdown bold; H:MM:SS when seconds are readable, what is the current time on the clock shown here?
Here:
**4:36**
